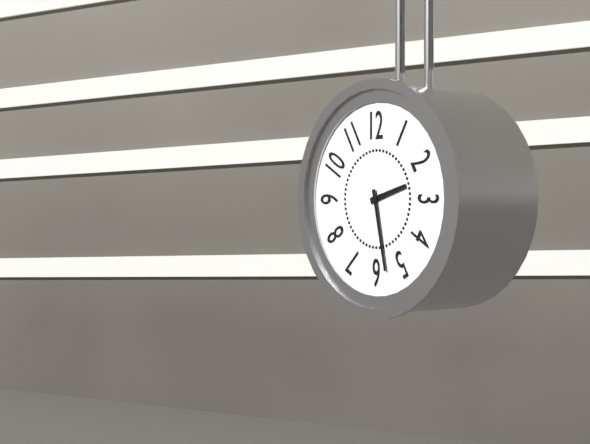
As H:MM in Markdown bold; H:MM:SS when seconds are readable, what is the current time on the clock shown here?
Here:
**2:28**
